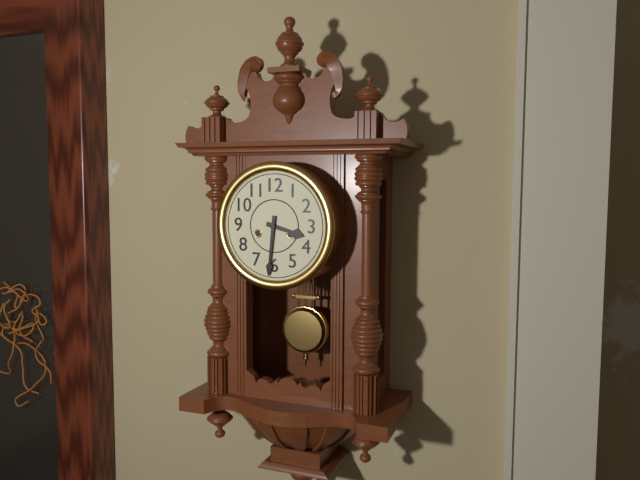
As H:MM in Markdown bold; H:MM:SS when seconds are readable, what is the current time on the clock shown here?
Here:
**3:31**
